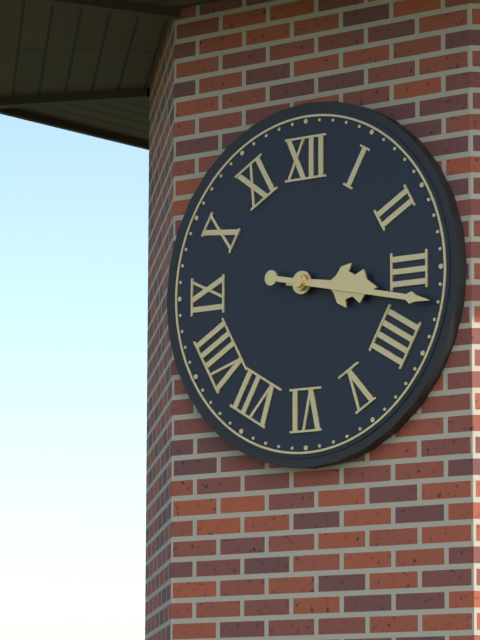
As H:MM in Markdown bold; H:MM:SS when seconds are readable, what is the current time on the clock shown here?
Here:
**3:17**
